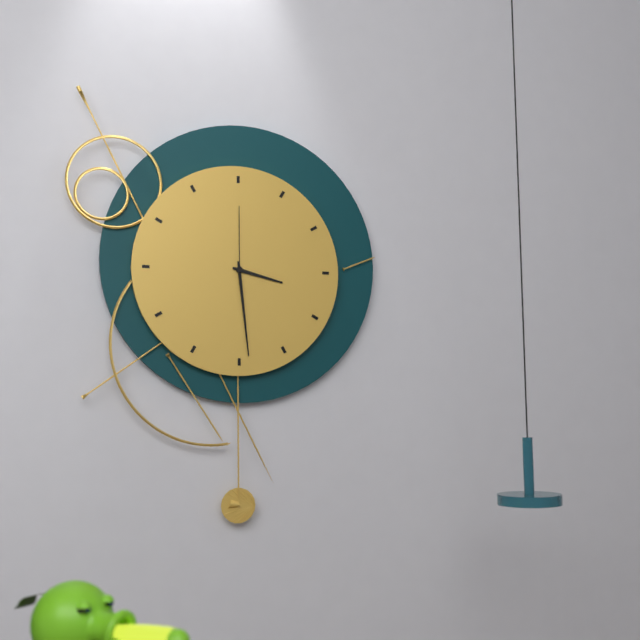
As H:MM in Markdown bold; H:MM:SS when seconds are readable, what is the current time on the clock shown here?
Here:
**3:29:00**
